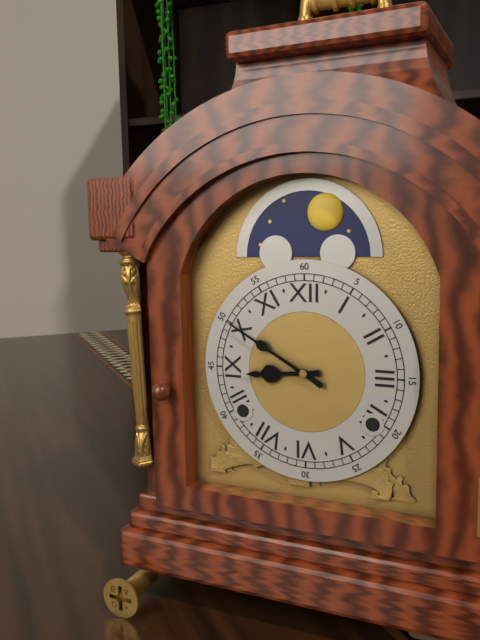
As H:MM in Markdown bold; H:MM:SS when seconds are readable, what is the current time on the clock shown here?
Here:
**8:50**
